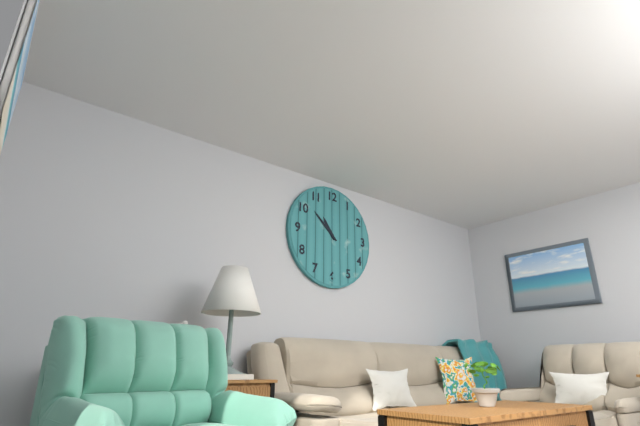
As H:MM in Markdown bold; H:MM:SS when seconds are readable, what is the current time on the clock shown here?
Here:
**10:52**
